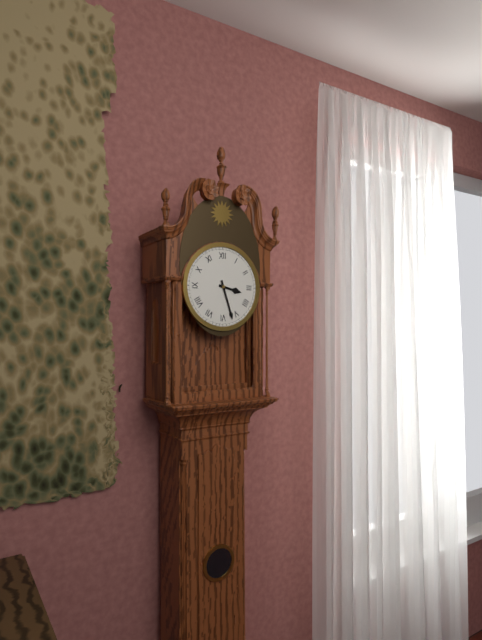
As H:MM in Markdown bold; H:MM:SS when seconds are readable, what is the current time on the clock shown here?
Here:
**3:27**
